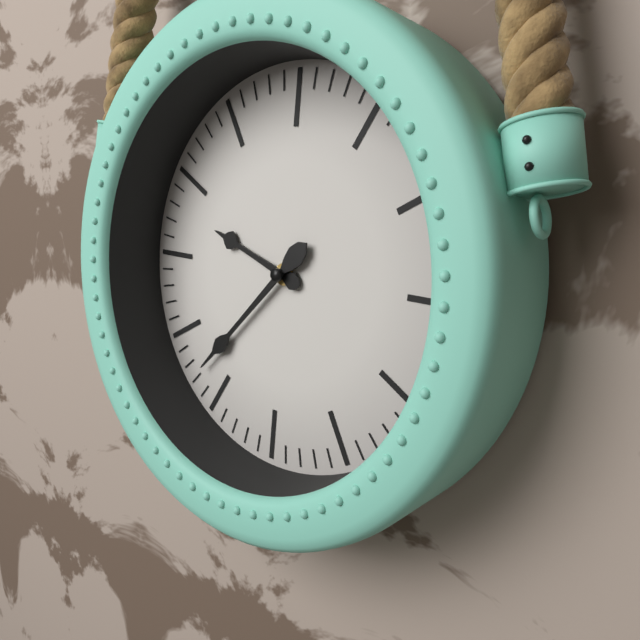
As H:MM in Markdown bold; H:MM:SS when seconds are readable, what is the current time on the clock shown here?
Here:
**9:37**
